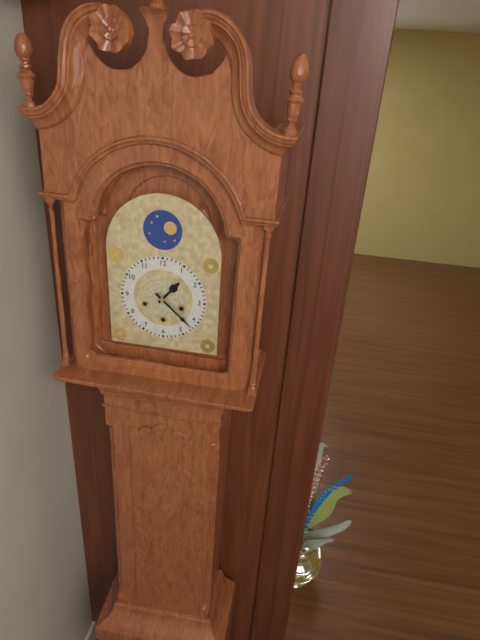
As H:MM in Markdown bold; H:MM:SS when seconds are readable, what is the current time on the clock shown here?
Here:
**1:22**
